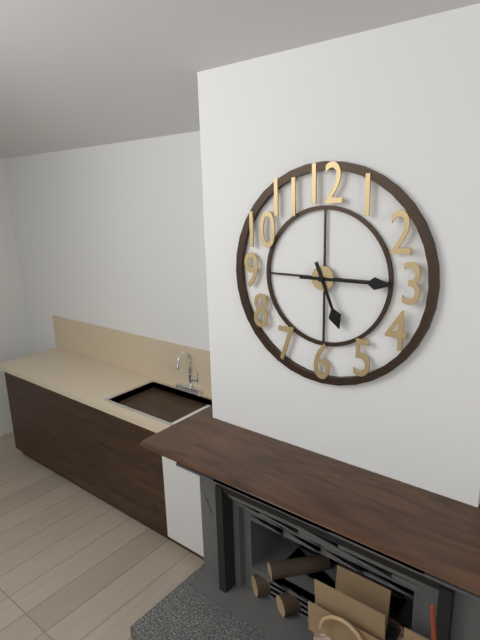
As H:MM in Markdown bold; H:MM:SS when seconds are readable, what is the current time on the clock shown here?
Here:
**5:15**
